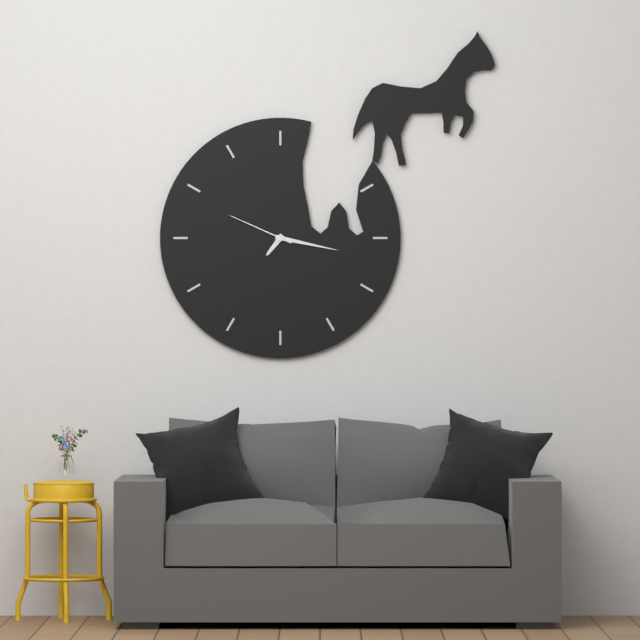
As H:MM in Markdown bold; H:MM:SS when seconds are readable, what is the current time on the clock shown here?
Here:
**7:17:49**
